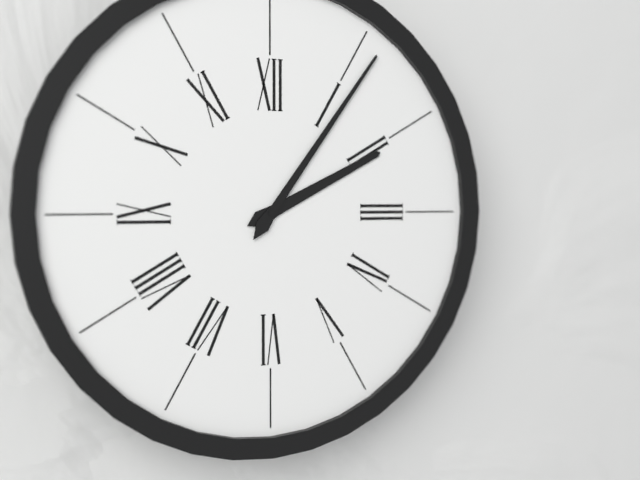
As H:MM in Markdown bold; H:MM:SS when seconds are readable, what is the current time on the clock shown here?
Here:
**2:06**
